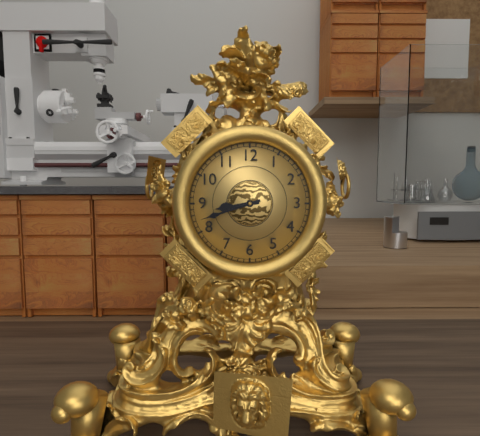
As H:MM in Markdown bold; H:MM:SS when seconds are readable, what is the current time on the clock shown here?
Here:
**8:42**
